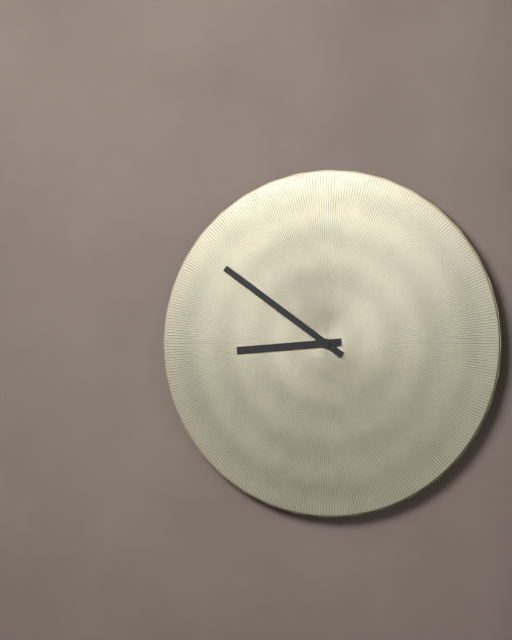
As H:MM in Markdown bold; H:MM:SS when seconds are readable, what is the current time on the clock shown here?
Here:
**8:51**
